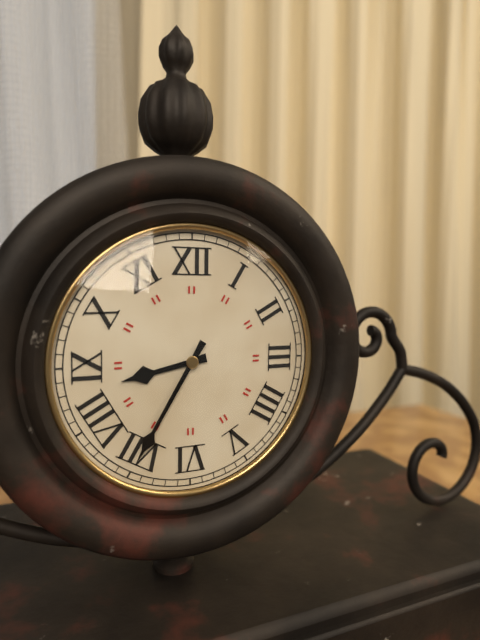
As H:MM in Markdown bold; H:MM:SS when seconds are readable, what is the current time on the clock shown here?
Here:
**8:35**
